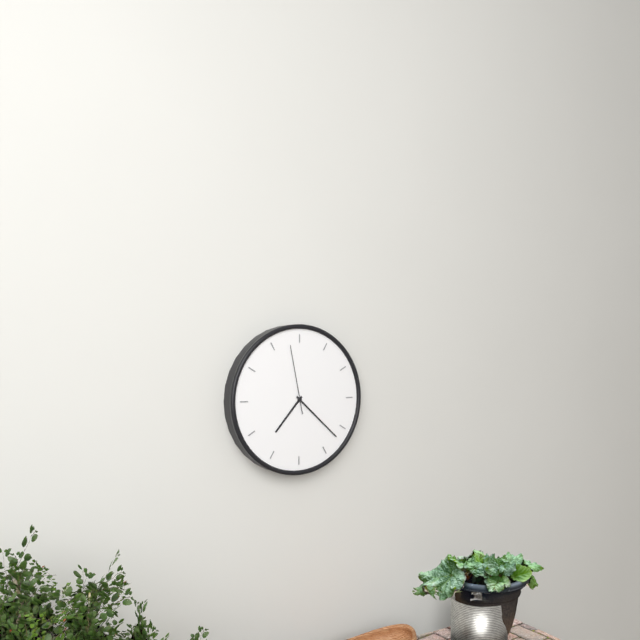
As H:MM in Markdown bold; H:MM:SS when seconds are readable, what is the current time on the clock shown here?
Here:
**7:22:58**
